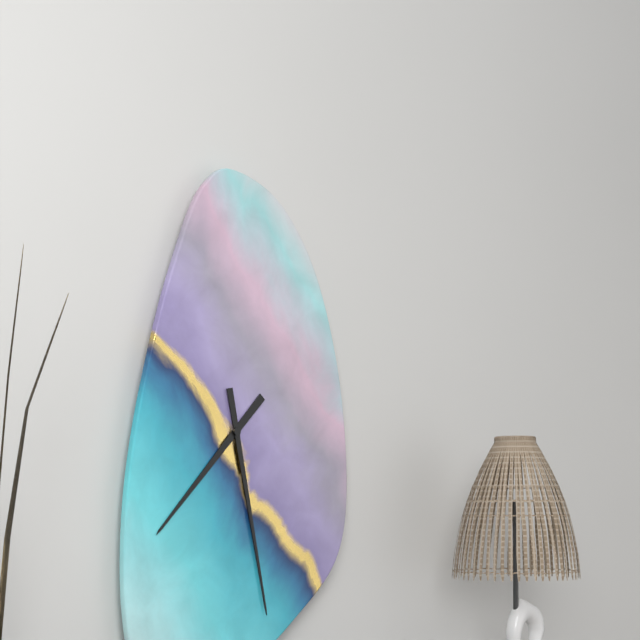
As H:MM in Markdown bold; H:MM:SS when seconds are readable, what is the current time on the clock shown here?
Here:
**7:28**
